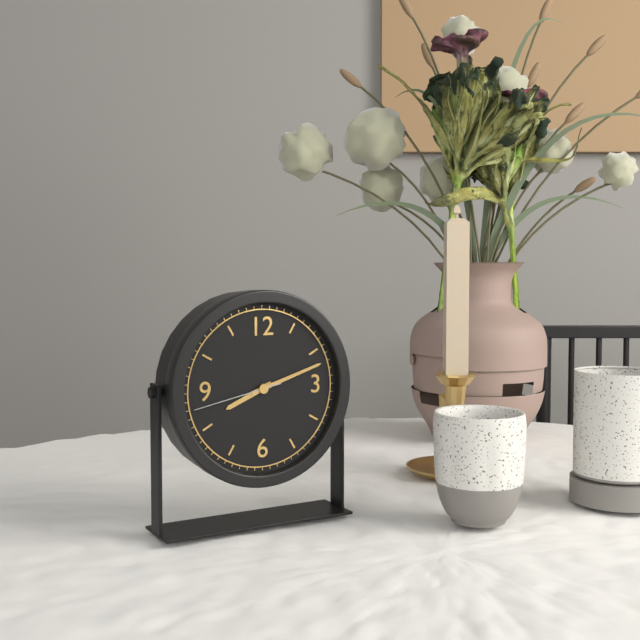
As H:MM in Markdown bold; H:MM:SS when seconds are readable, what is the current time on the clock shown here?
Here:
**8:12:43**
